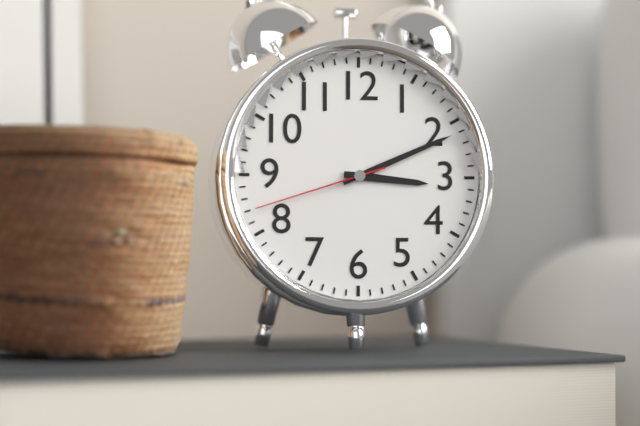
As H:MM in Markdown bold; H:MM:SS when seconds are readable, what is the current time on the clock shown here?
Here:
**3:11:42**
